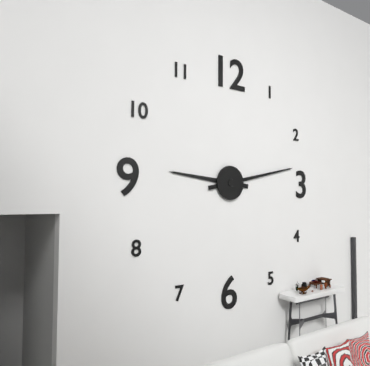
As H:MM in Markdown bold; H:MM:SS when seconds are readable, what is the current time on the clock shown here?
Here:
**9:13**
